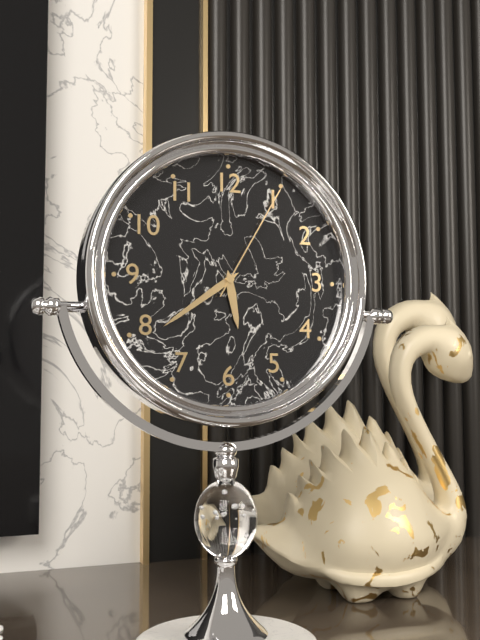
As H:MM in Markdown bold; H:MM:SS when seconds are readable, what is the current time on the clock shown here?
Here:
**5:39:05**
